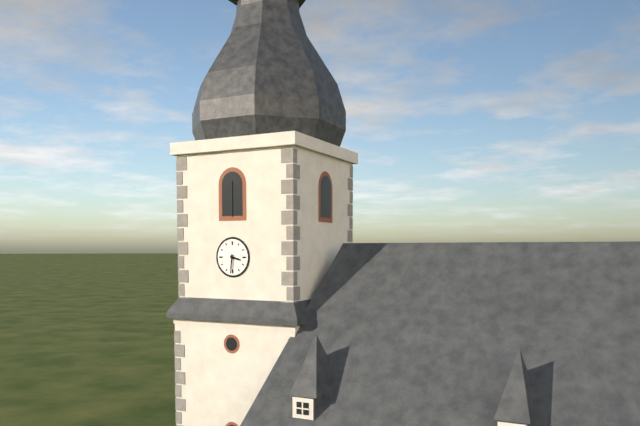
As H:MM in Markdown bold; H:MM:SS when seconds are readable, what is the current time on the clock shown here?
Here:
**3:31**
